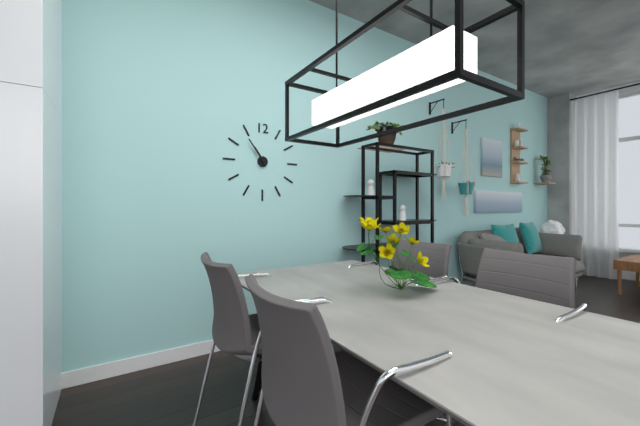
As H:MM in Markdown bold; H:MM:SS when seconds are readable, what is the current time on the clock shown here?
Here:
**10:54**
